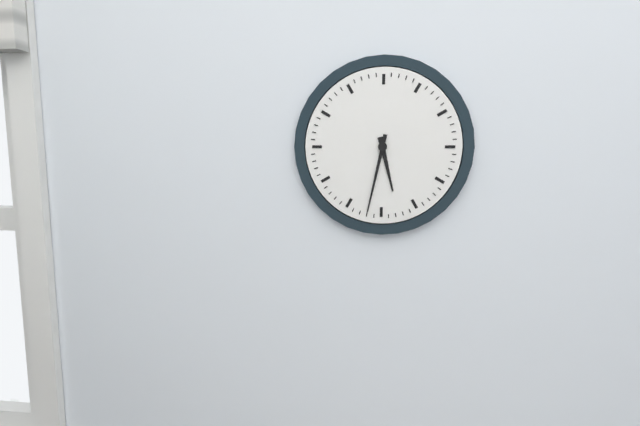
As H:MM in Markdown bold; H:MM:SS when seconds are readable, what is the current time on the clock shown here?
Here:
**5:32**
